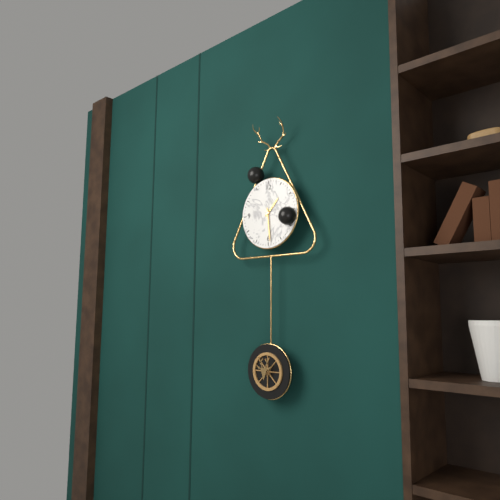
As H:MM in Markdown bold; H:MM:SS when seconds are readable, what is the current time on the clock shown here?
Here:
**1:29**
